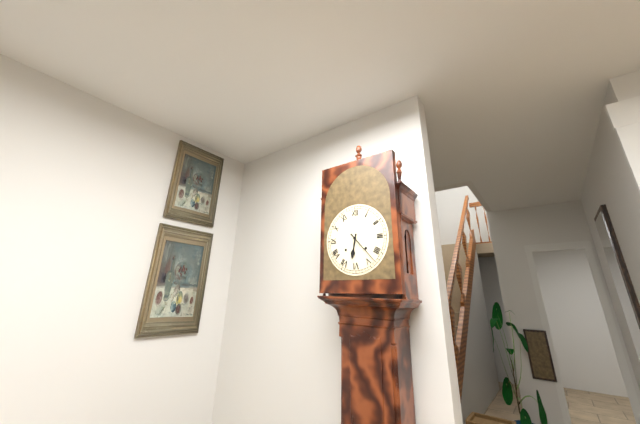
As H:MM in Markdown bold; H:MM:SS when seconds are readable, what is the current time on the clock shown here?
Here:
**6:23**
